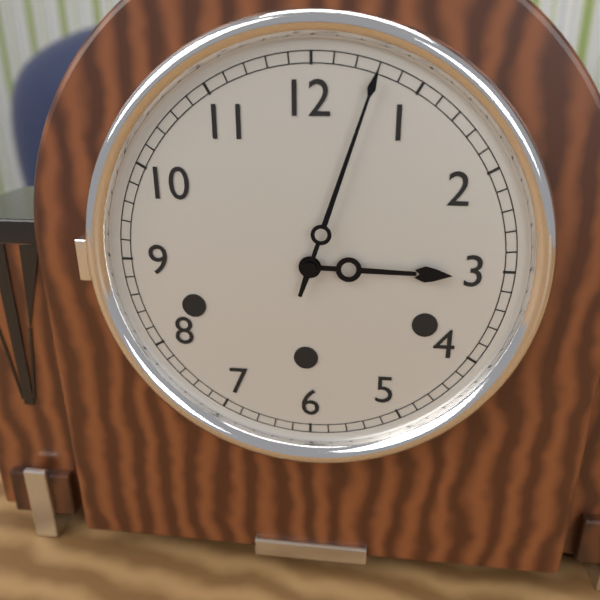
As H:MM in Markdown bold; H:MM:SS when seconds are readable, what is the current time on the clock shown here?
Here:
**3:03**
